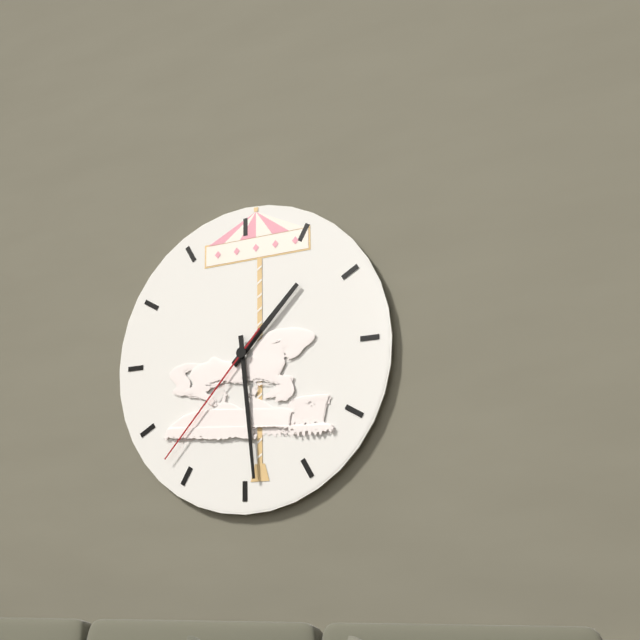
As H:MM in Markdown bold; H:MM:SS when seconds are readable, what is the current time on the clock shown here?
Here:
**1:29:37**
